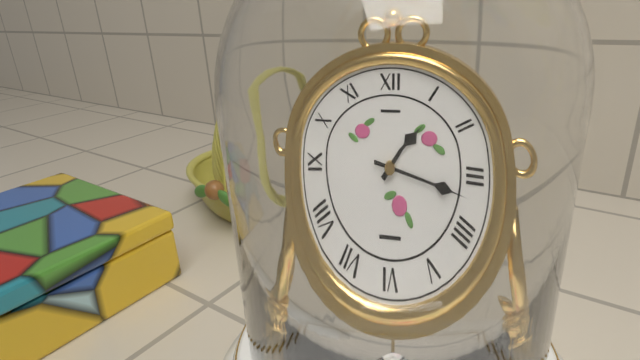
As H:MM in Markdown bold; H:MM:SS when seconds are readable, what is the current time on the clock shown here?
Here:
**1:17**
